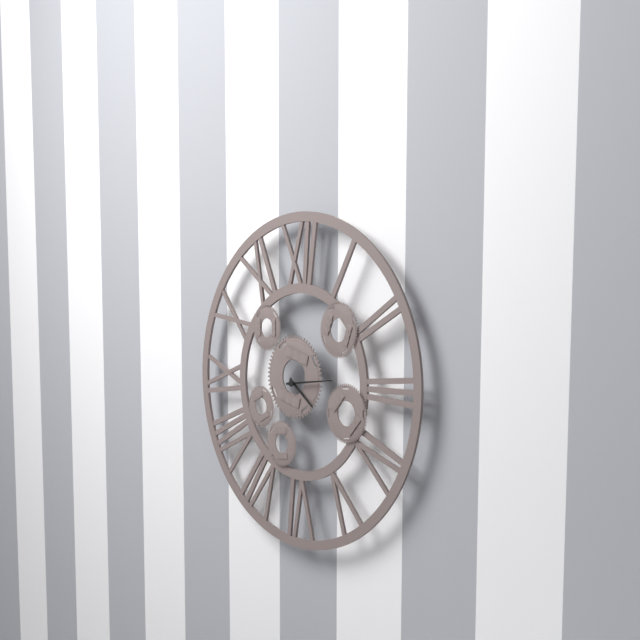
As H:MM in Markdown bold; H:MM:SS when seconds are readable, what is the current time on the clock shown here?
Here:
**4:14**
